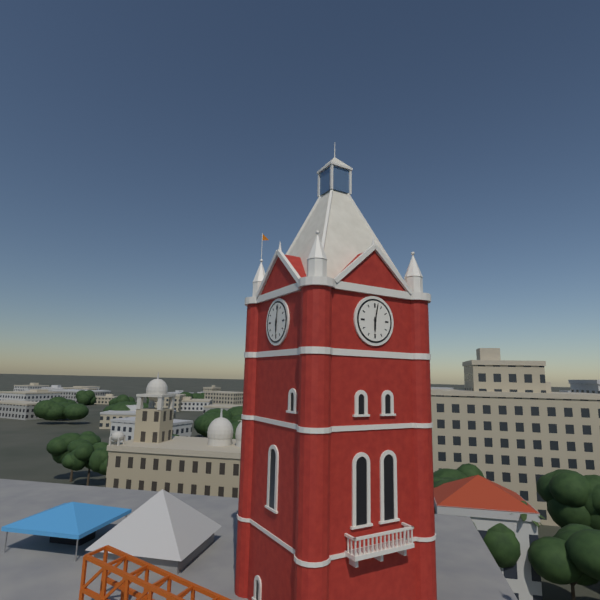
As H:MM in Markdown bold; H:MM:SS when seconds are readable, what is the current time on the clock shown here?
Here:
**6:02**
